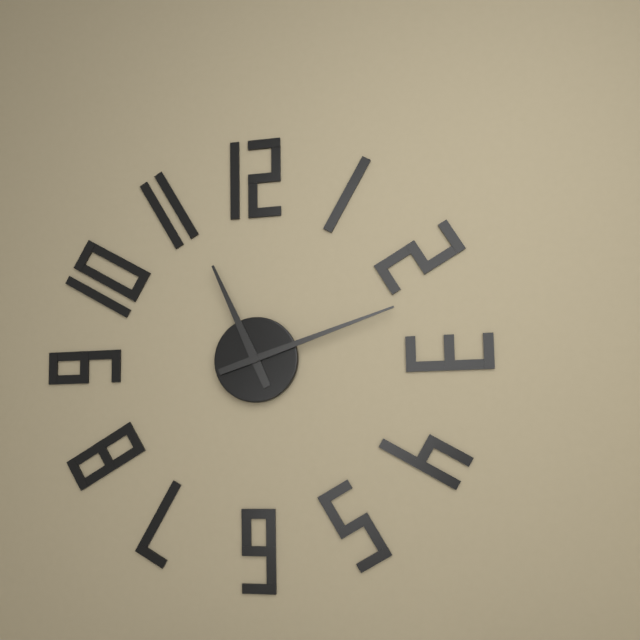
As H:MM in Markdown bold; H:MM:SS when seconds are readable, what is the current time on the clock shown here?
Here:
**11:12**
